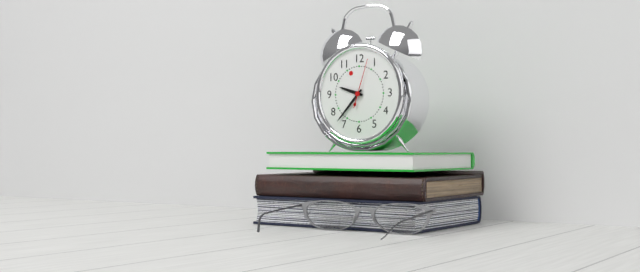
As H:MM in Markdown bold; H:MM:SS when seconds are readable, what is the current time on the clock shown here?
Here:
**9:37**
